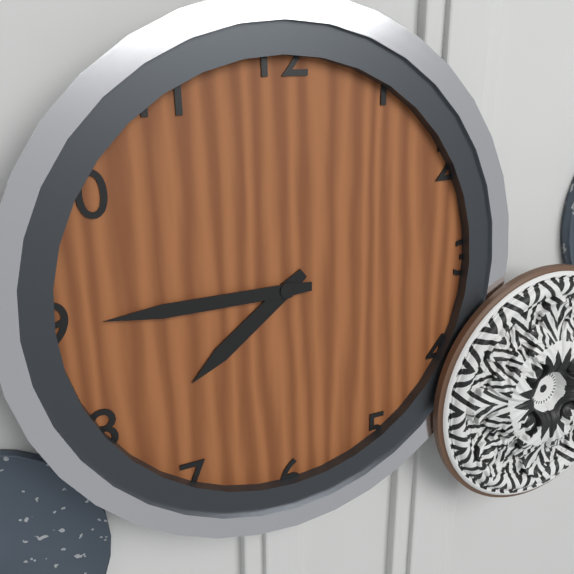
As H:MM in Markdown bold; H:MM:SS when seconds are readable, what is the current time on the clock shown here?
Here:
**7:45**
